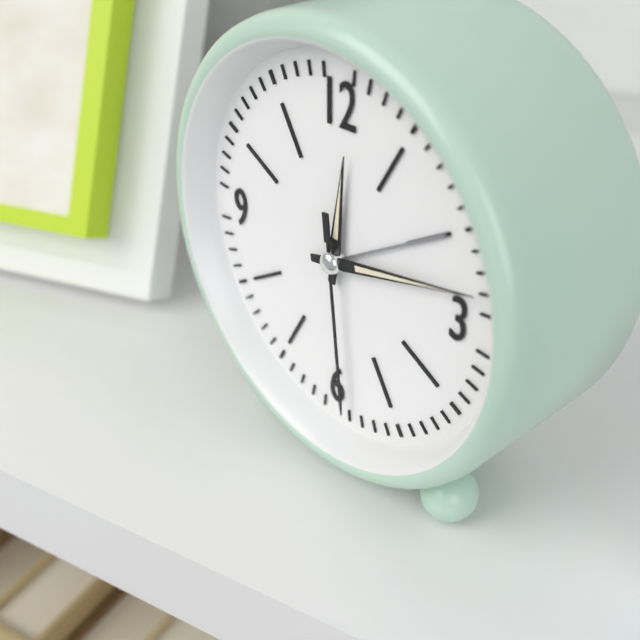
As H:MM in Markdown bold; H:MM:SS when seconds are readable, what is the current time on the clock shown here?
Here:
**12:13:29**
